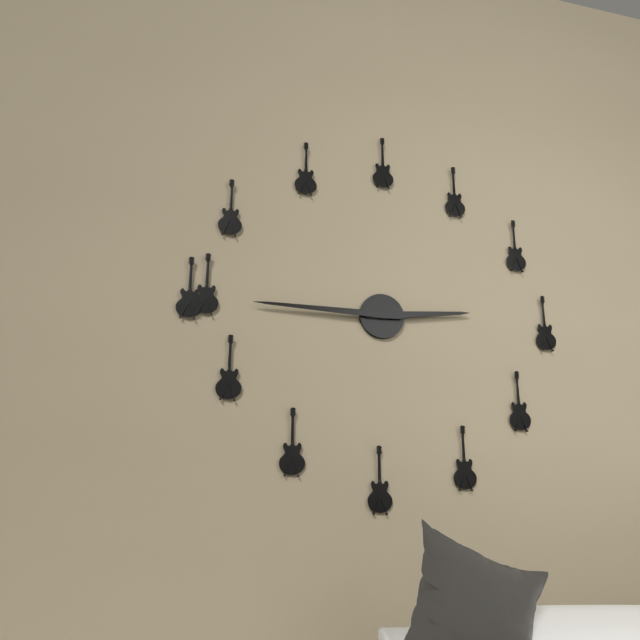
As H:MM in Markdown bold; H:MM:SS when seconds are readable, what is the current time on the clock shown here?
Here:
**2:45**
